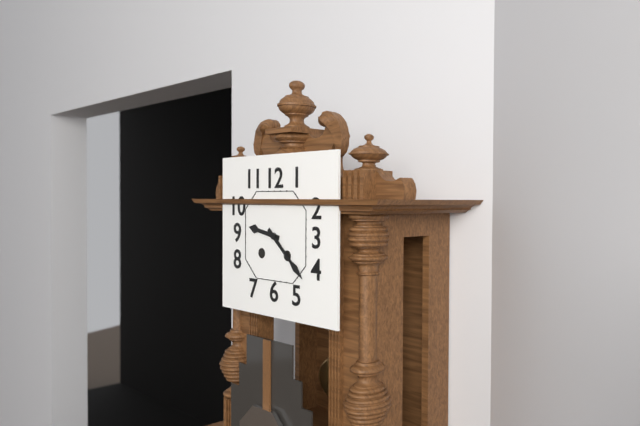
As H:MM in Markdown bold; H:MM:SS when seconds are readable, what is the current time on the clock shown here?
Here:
**9:22**
